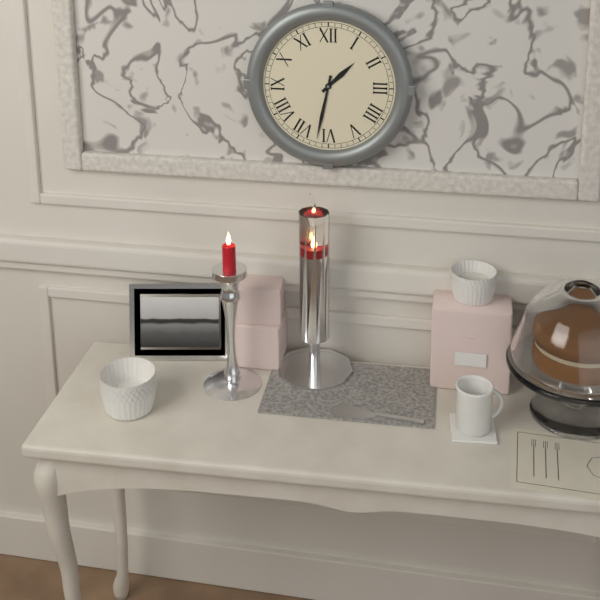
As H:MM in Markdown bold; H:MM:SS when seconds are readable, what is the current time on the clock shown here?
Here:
**1:32**
